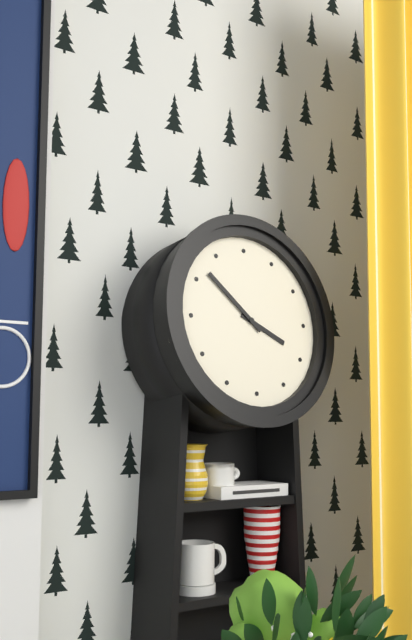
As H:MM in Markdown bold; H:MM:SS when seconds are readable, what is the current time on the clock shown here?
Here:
**3:52**
